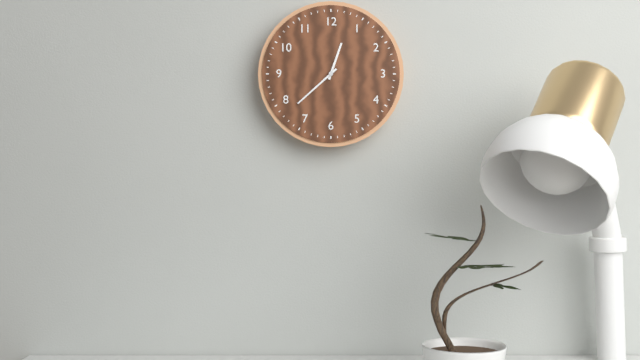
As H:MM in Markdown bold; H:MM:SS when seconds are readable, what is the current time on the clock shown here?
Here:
**12:38**
